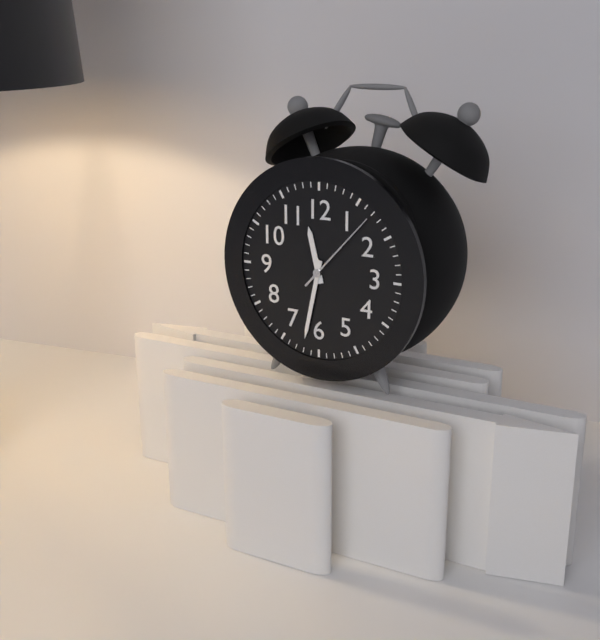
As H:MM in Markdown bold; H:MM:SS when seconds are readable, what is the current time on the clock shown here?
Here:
**11:32:07**
